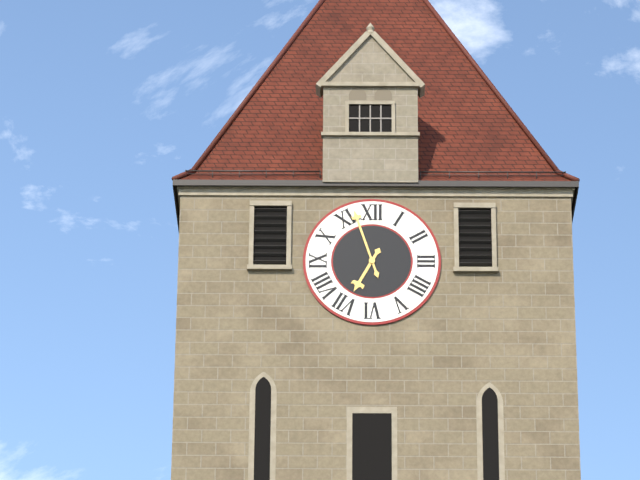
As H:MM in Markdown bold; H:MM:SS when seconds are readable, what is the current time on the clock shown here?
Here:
**6:57**
